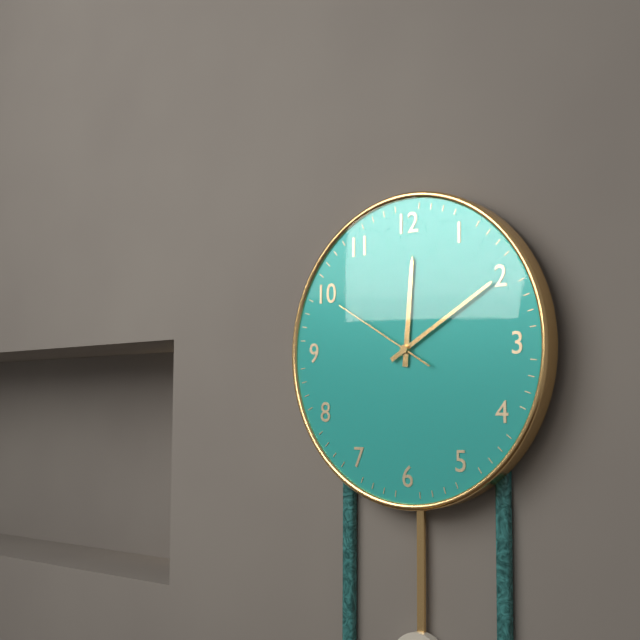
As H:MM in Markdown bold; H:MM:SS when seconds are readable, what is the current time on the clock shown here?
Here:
**12:10:50**
